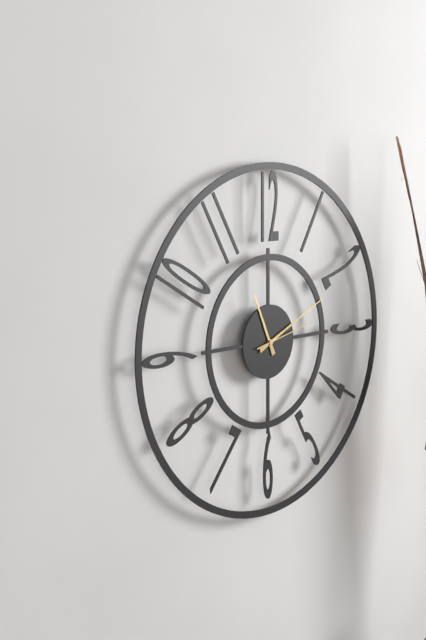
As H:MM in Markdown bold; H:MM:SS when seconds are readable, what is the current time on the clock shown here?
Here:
**11:11:13**
